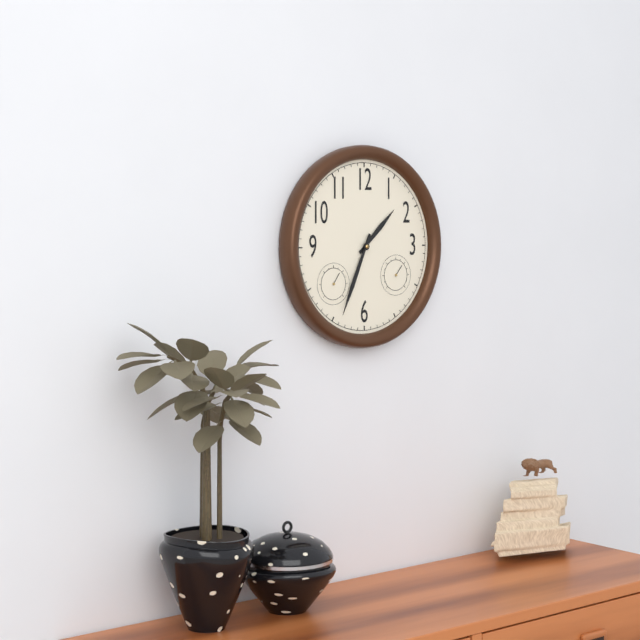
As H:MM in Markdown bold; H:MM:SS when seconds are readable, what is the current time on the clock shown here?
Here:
**1:34**
